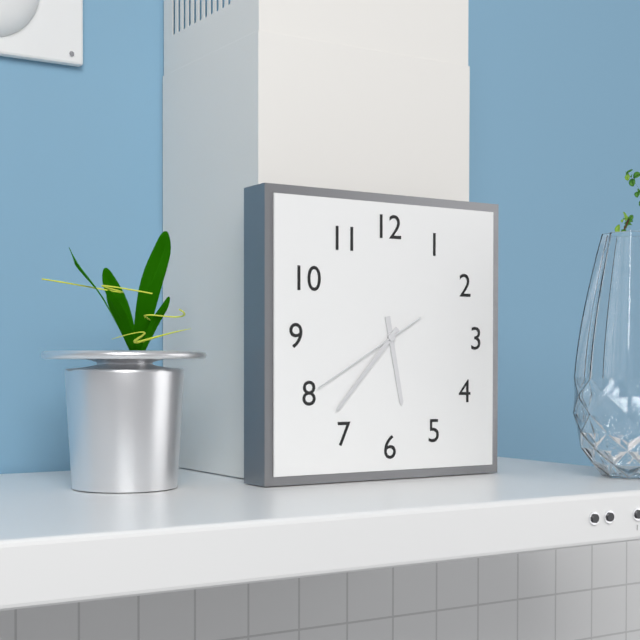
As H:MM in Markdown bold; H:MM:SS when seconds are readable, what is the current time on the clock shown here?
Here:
**5:37:40**
